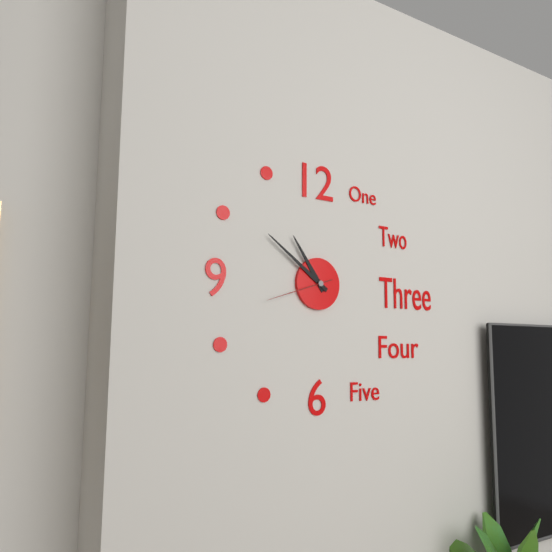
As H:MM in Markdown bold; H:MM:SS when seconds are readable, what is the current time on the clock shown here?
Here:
**10:51:42**
